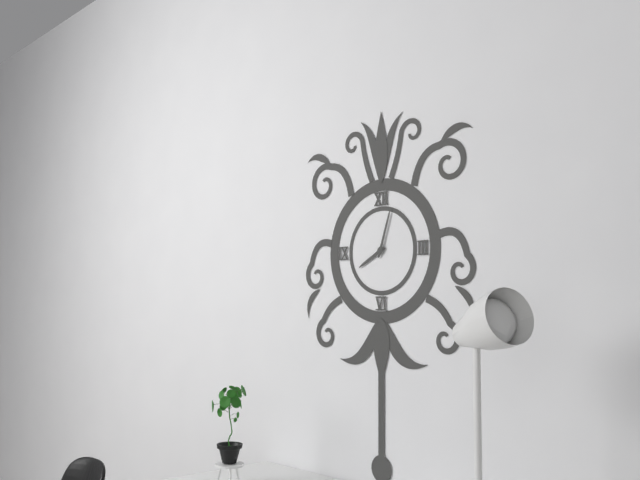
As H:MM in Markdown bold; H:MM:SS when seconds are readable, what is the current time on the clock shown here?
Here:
**8:03**
